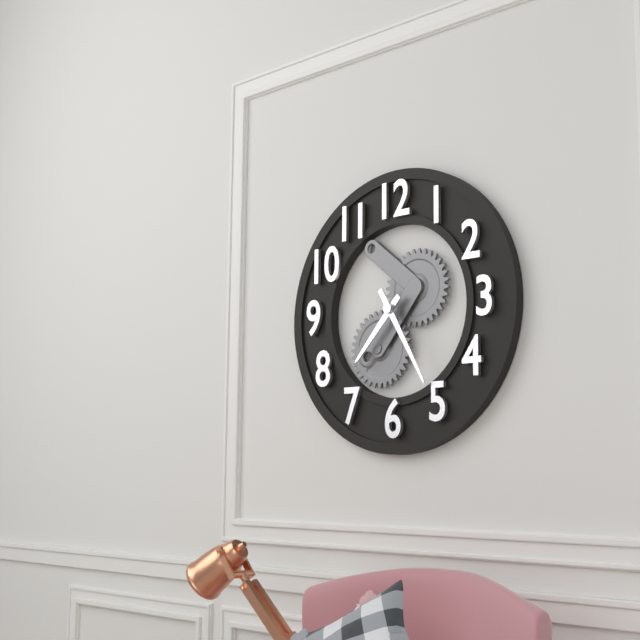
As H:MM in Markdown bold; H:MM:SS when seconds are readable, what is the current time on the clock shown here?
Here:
**7:25**
